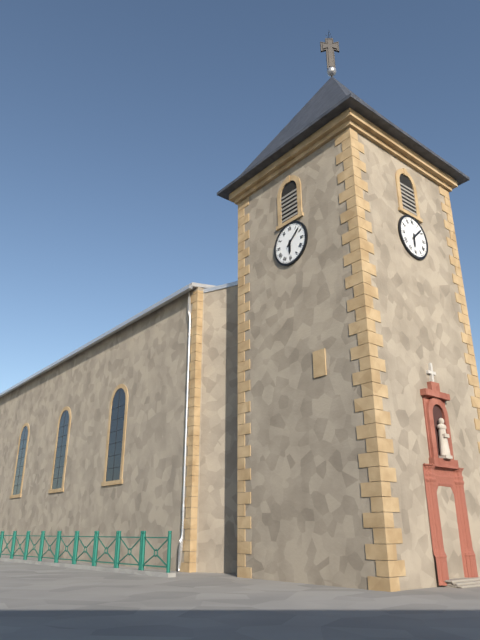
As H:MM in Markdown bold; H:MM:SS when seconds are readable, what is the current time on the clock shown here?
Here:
**6:08**
